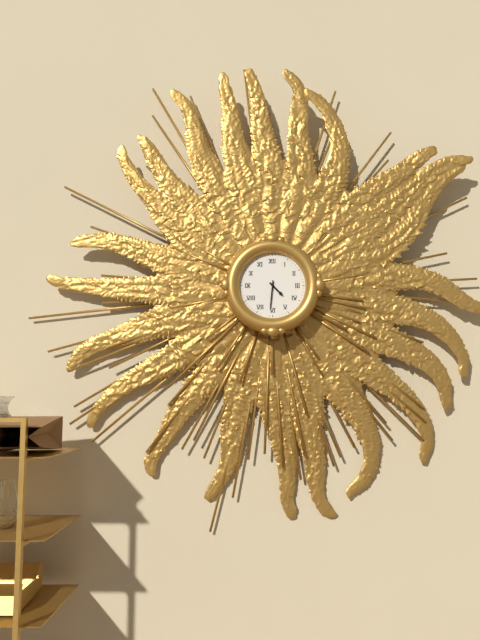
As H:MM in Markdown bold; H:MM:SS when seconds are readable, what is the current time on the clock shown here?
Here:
**4:31**
